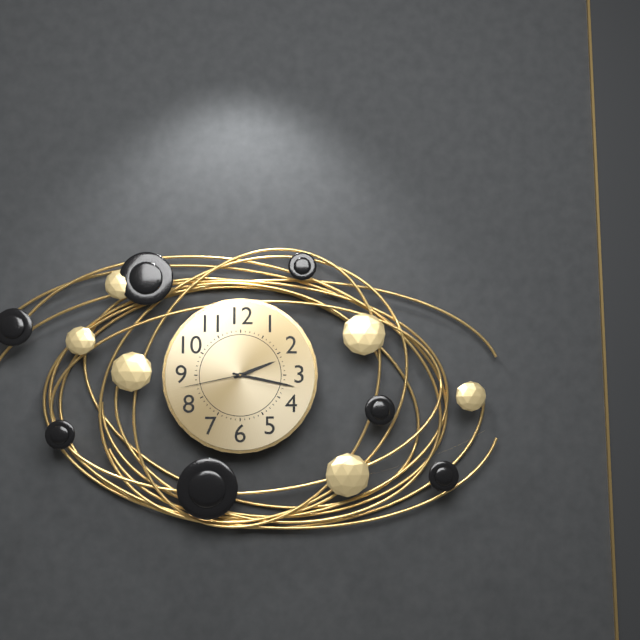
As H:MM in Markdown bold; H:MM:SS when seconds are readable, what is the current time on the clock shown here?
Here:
**2:17:43**
